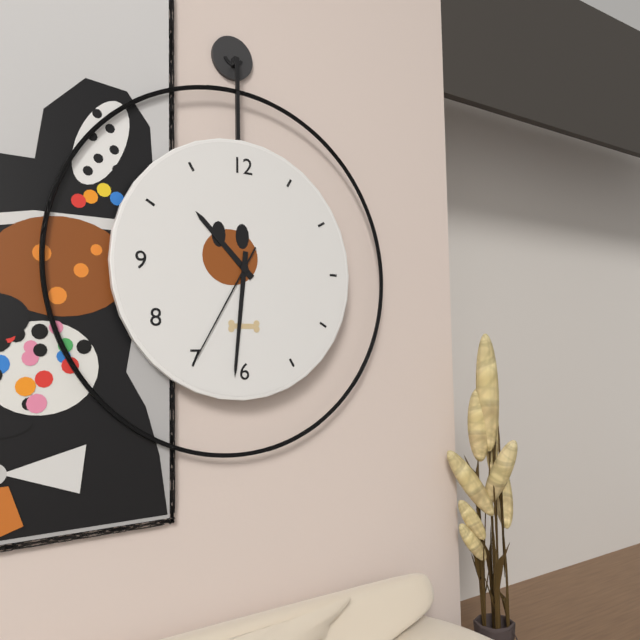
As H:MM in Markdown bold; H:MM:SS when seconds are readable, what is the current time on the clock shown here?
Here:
**10:31:35**
